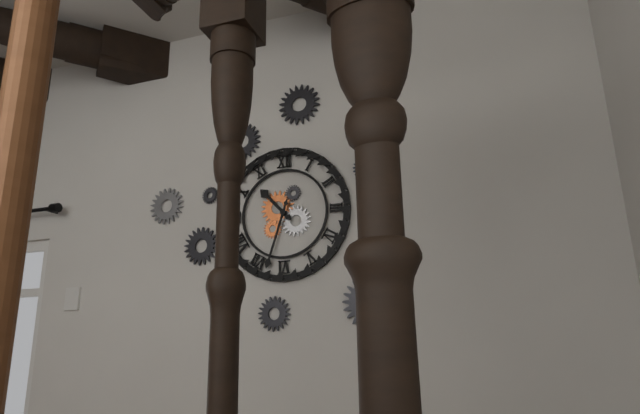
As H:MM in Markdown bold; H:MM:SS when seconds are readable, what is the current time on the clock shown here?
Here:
**10:33**
